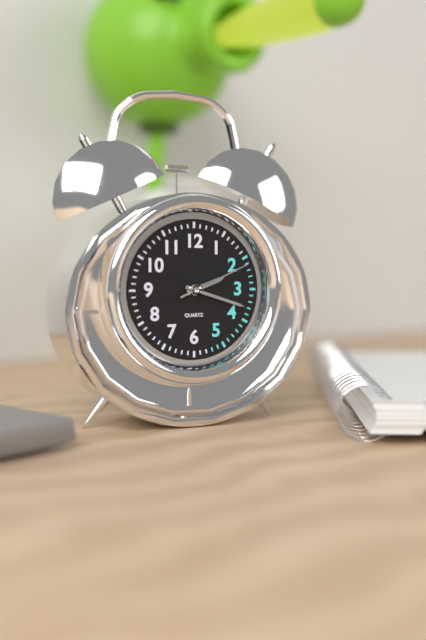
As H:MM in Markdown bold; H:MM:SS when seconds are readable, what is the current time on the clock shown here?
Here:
**2:18:11**
